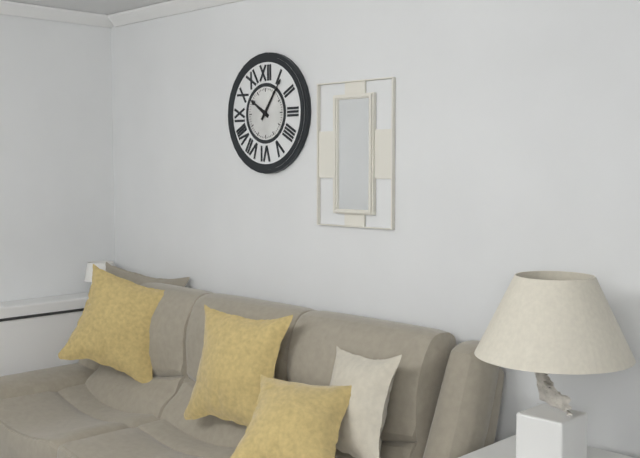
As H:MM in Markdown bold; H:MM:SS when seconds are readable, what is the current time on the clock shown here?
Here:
**10:06**
